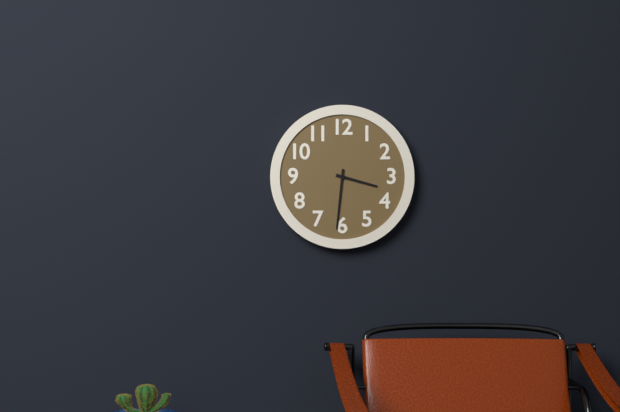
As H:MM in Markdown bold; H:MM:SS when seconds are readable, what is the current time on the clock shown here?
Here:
**3:31**
